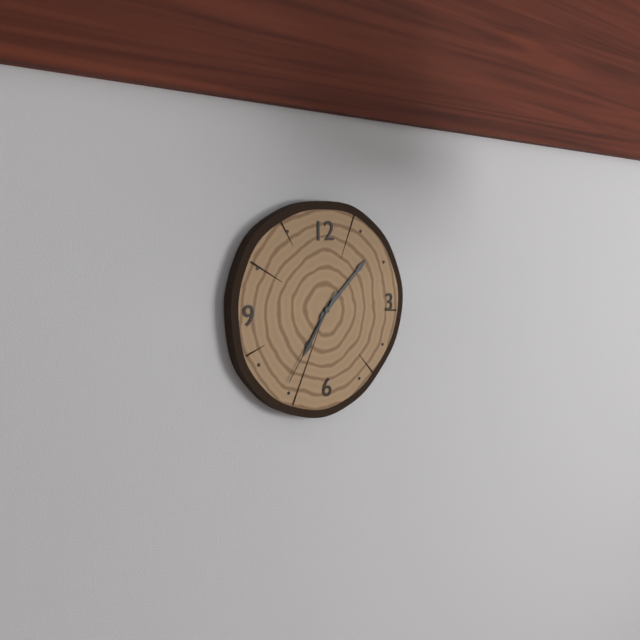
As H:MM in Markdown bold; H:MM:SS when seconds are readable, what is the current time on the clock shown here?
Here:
**7:08:36**
